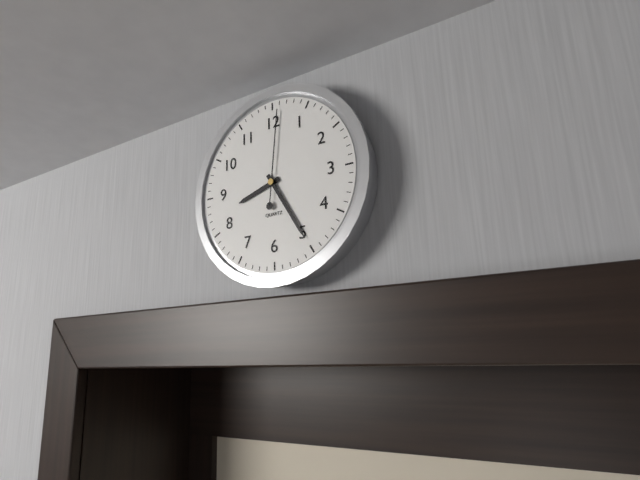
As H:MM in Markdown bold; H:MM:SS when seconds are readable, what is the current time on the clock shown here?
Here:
**8:25:01**
